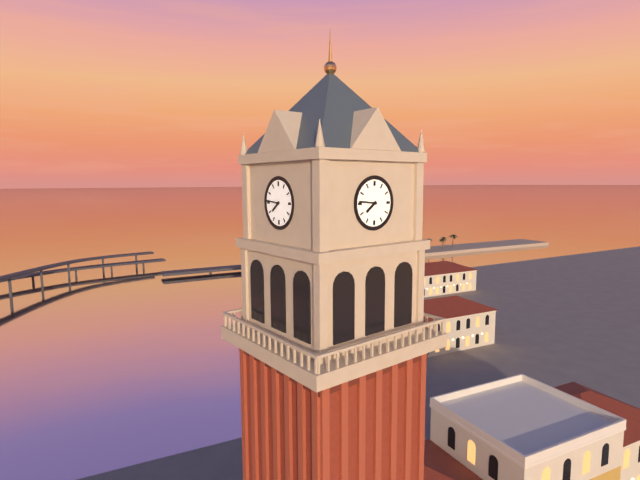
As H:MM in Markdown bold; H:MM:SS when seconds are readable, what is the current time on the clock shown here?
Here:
**7:46**
